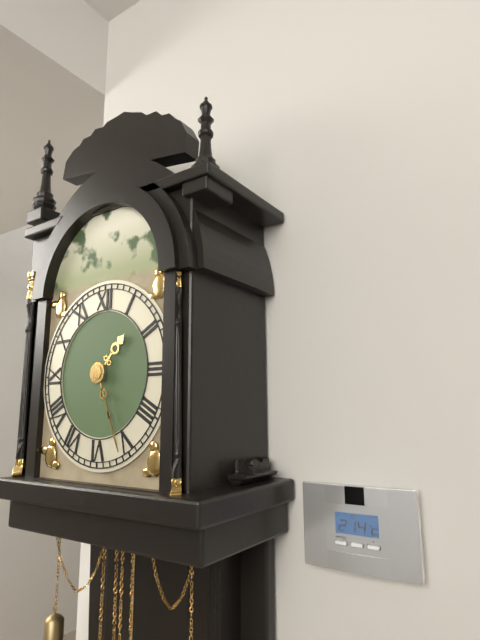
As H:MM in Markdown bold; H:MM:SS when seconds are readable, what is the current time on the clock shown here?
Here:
**1:26**
